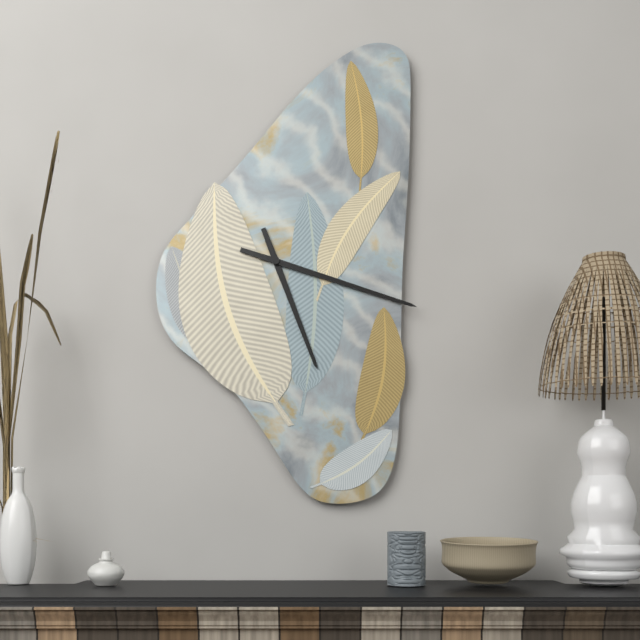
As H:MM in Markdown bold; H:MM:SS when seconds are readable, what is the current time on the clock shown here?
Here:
**5:18**
